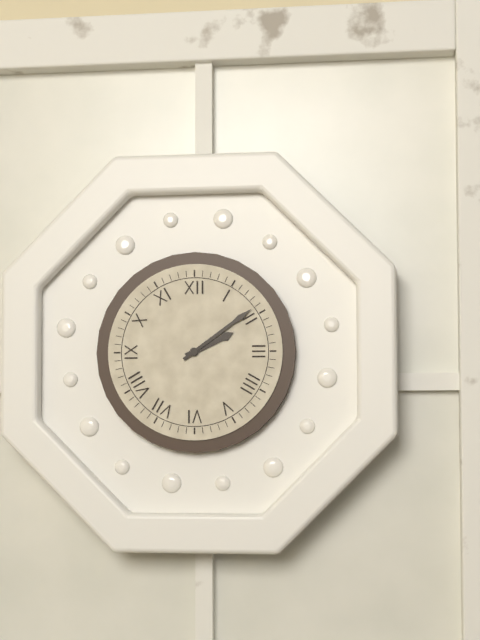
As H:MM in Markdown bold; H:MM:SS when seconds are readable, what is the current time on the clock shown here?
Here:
**2:09**
